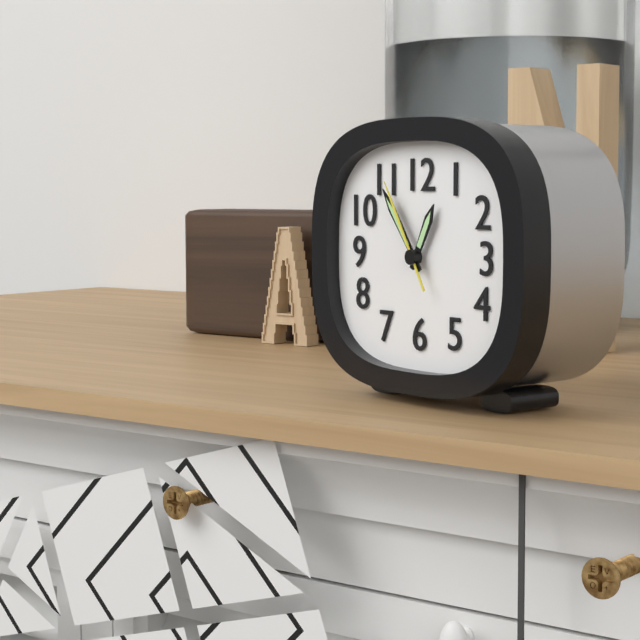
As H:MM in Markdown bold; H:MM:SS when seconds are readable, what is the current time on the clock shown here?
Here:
**12:54:55**
